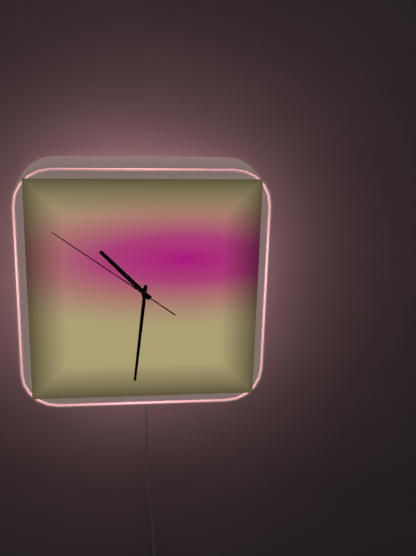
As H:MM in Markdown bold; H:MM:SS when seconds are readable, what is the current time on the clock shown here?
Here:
**10:31:51**
